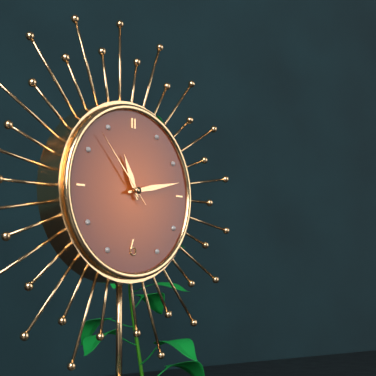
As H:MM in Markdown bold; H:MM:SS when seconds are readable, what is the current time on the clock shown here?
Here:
**11:13:53**
